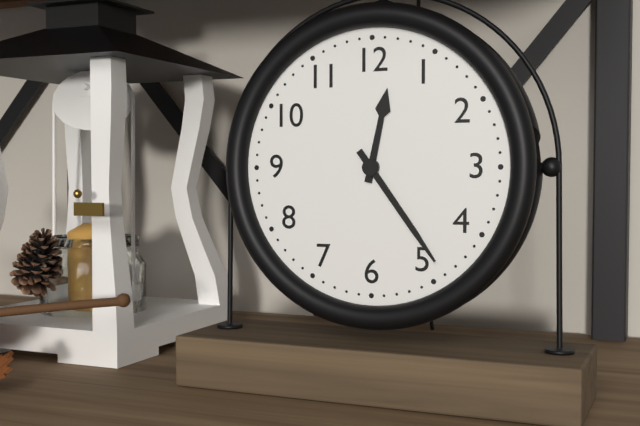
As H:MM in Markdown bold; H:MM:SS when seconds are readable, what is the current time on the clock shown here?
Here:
**12:24**
